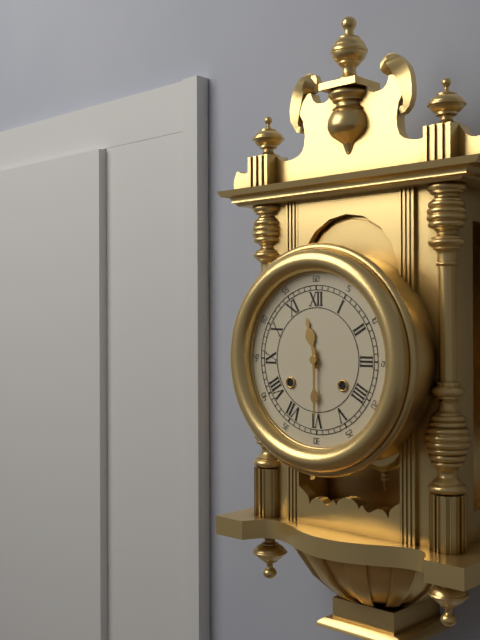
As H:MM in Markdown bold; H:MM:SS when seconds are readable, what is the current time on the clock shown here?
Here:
**11:30**
